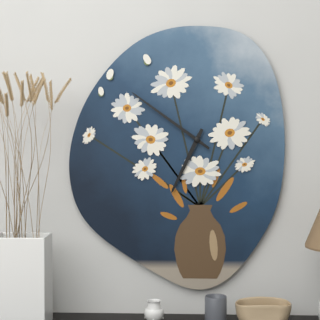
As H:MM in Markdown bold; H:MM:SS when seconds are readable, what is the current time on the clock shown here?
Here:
**6:51**
